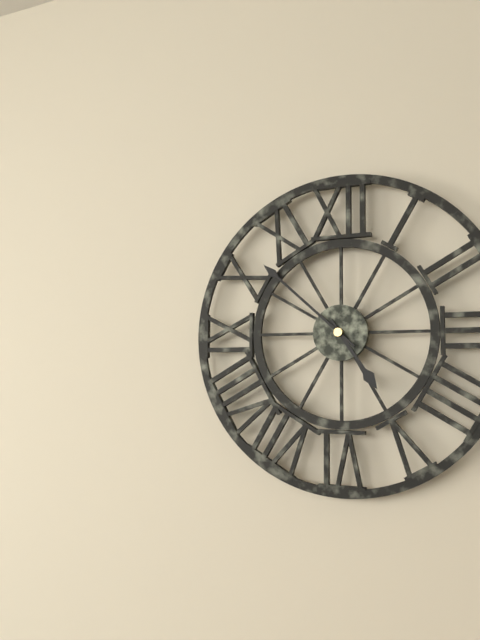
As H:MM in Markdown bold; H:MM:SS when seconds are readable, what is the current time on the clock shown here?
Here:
**4:52**
